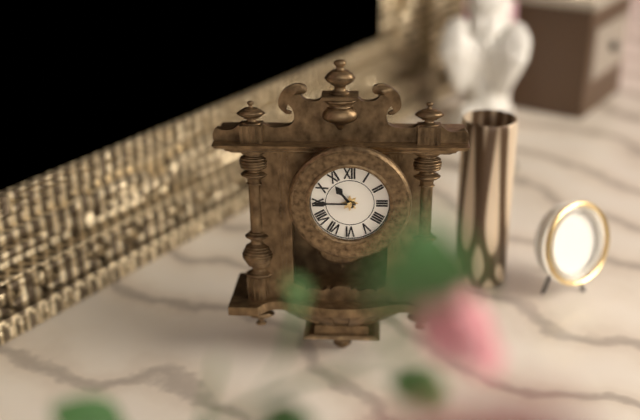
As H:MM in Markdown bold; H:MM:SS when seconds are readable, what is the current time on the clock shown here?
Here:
**10:45**
